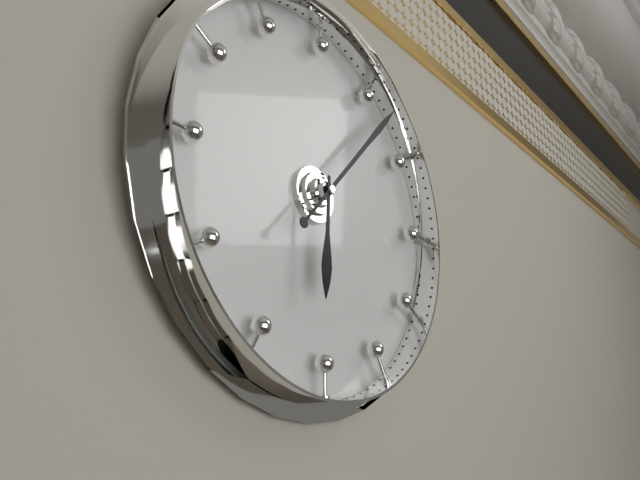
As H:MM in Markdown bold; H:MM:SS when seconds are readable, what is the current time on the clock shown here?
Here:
**6:07**
